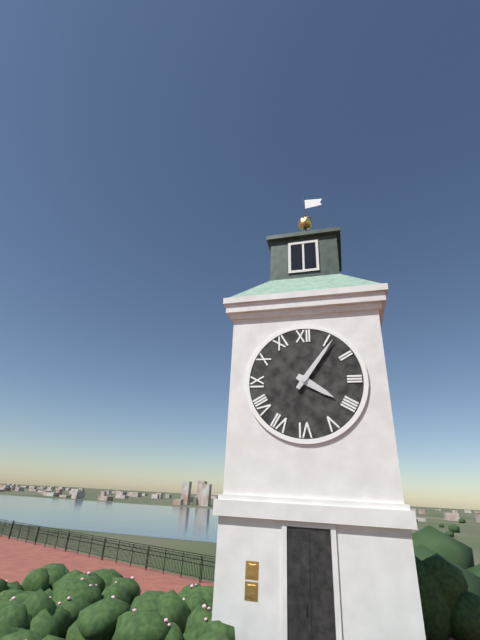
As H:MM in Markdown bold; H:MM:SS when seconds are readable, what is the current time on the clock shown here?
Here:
**4:06**
